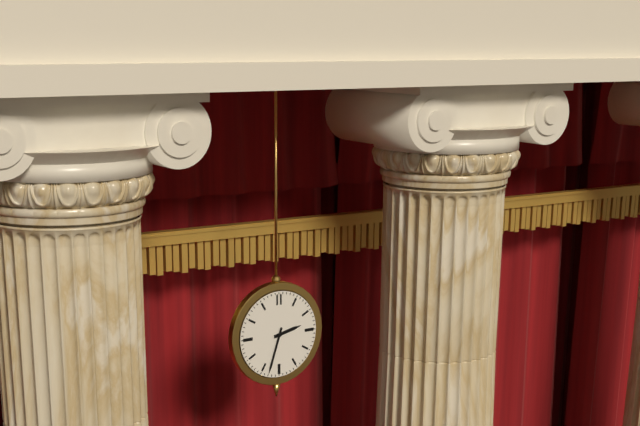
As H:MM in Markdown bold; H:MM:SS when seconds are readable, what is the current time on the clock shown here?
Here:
**2:33**
